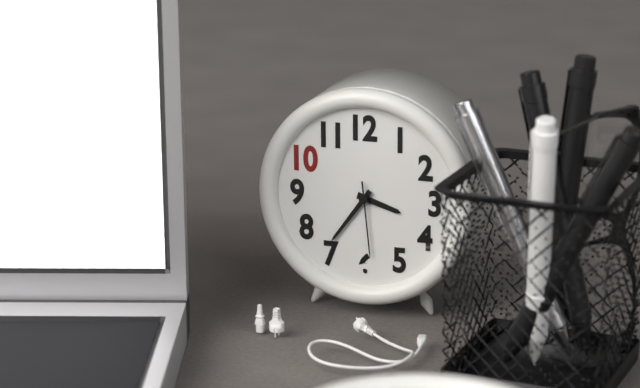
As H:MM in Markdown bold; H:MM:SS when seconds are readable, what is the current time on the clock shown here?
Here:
**3:36:29**
